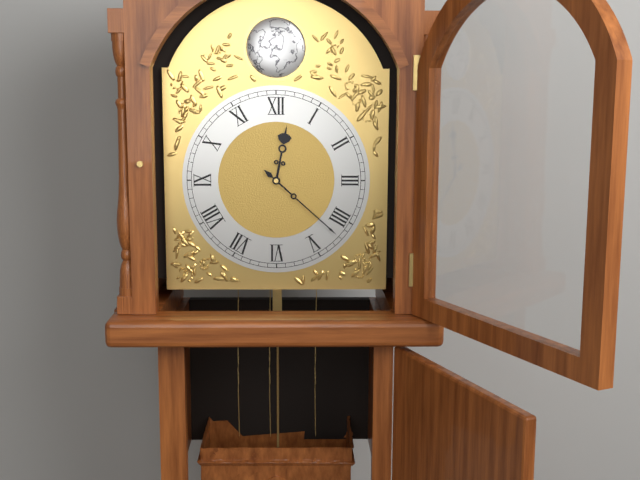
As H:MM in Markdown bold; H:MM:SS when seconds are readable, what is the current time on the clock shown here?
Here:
**12:22**
